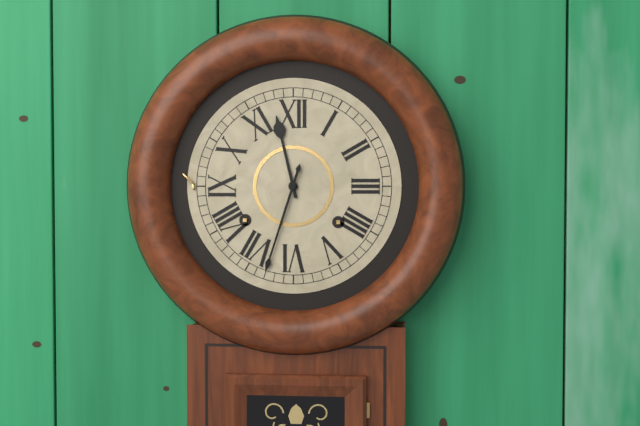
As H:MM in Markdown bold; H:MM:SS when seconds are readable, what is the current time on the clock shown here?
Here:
**11:33**
